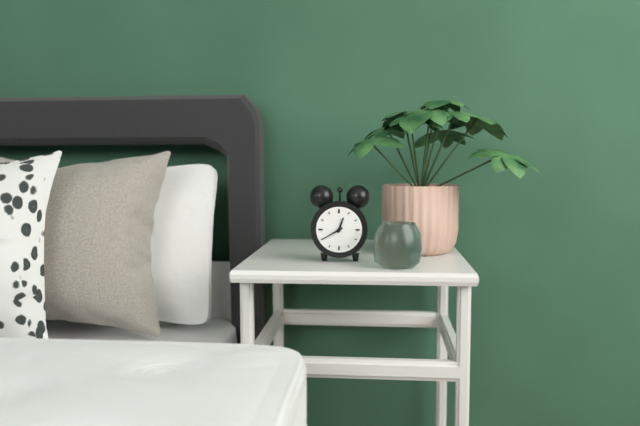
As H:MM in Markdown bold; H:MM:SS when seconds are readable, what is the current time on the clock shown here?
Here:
**12:40**
